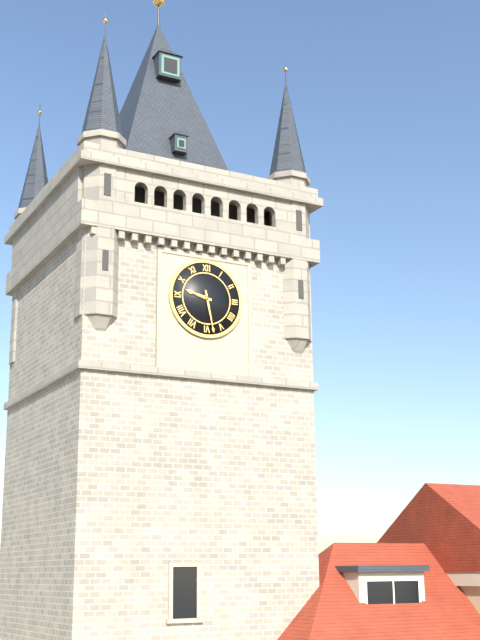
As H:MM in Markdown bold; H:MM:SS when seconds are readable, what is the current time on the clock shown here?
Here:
**9:28**
